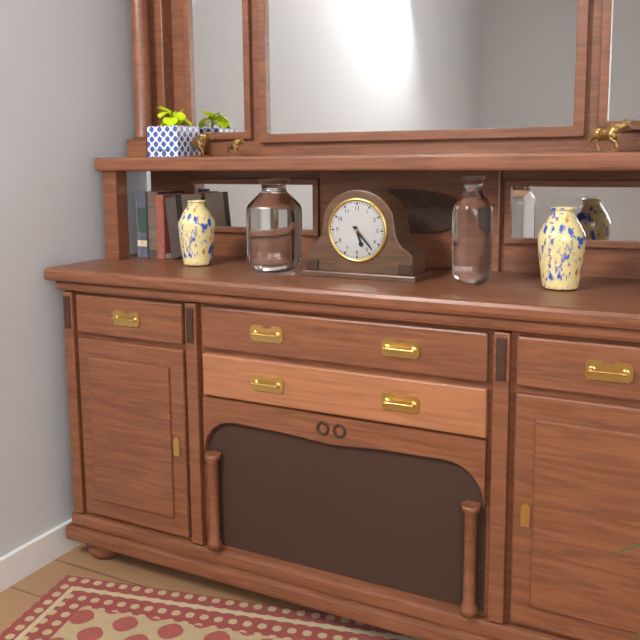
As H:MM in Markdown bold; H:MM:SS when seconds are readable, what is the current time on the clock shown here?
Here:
**5:23**
